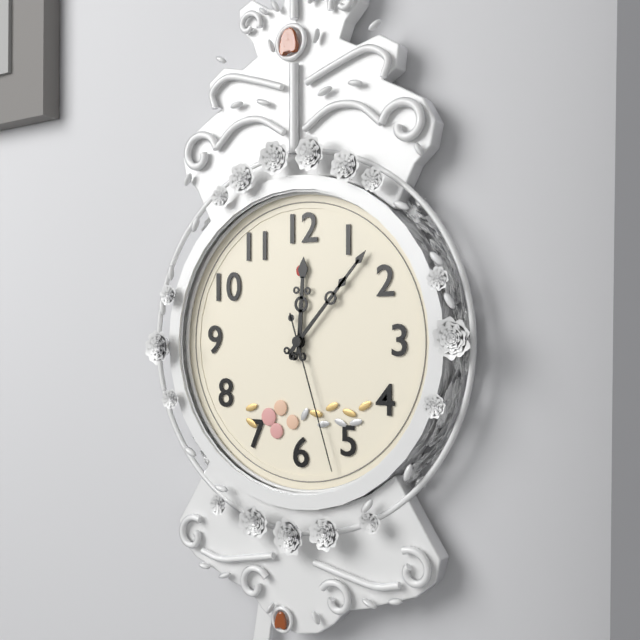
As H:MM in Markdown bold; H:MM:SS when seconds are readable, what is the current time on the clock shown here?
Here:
**12:07:27**
